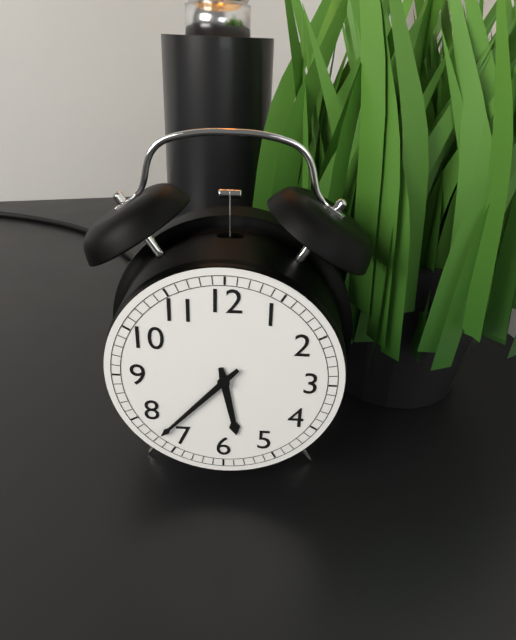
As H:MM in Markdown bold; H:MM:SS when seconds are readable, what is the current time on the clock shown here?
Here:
**5:37**
